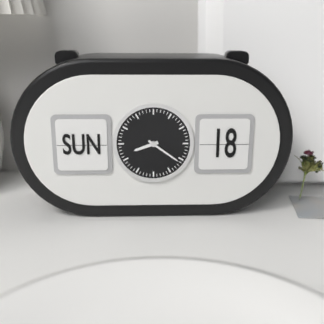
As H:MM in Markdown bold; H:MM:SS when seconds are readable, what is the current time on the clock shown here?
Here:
**8:21**
